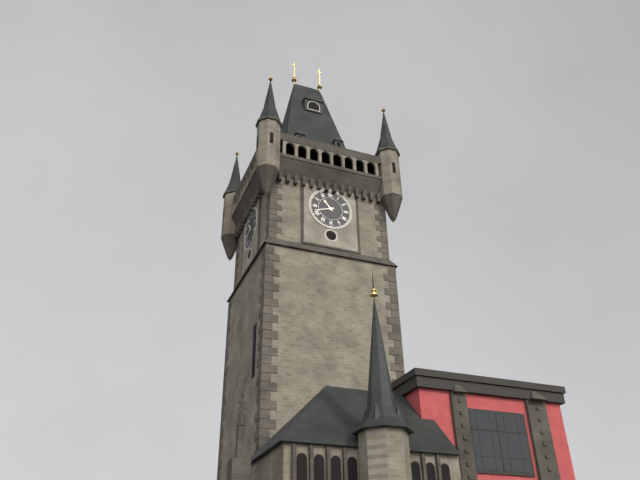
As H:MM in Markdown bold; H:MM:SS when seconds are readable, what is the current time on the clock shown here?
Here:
**10:42**
